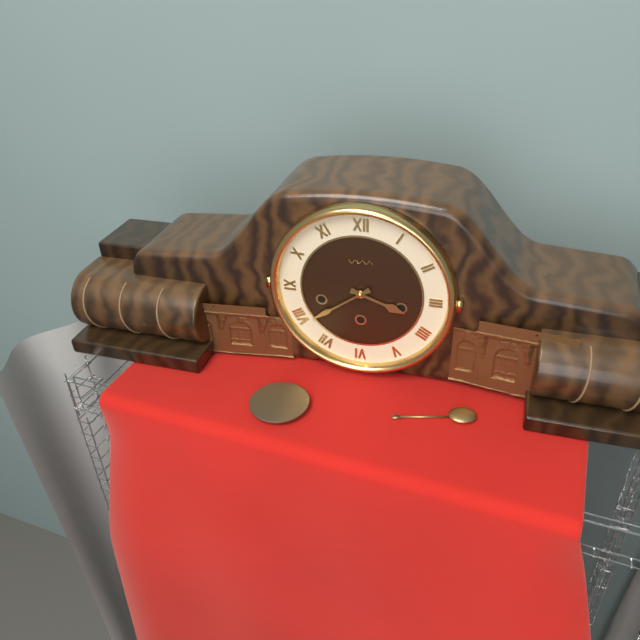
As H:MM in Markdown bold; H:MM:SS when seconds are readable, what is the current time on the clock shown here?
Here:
**3:39**
